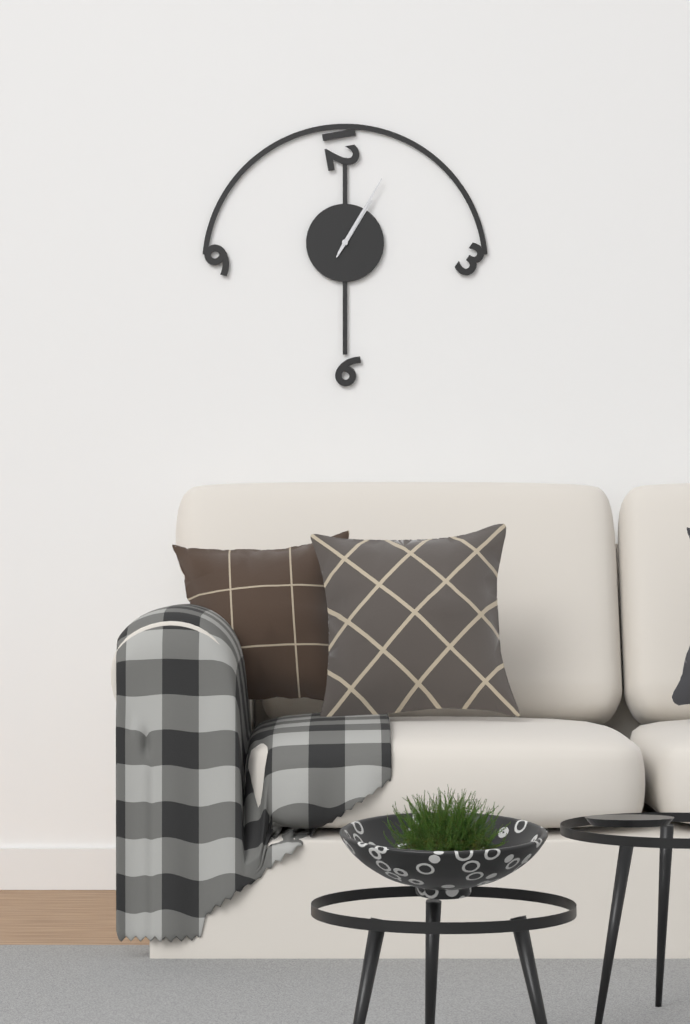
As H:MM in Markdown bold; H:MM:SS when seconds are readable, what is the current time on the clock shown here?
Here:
**1:05**
